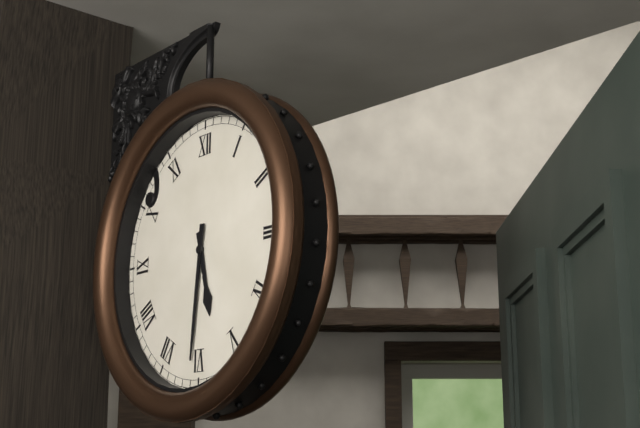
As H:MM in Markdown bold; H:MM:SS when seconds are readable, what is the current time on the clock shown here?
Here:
**5:31**
